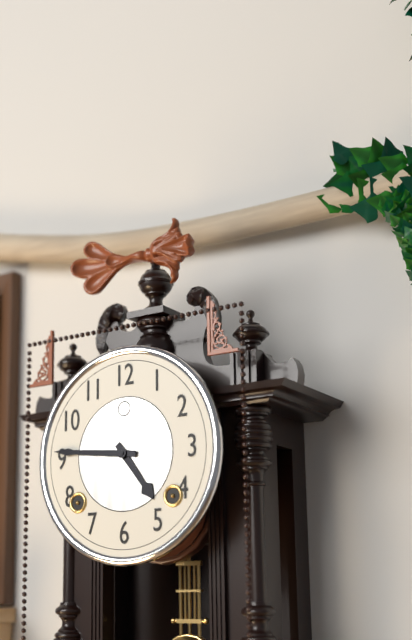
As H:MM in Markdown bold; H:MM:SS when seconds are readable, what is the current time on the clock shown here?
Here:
**4:46**
